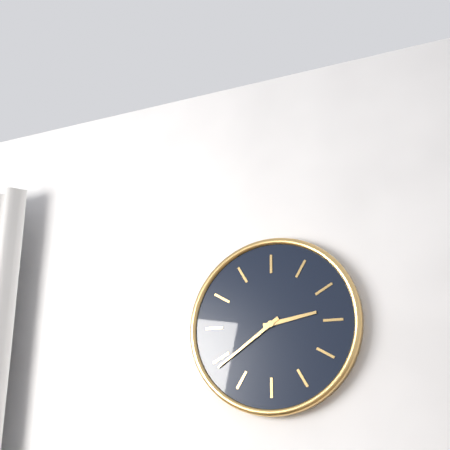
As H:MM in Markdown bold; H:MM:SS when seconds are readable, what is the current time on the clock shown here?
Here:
**2:39**
